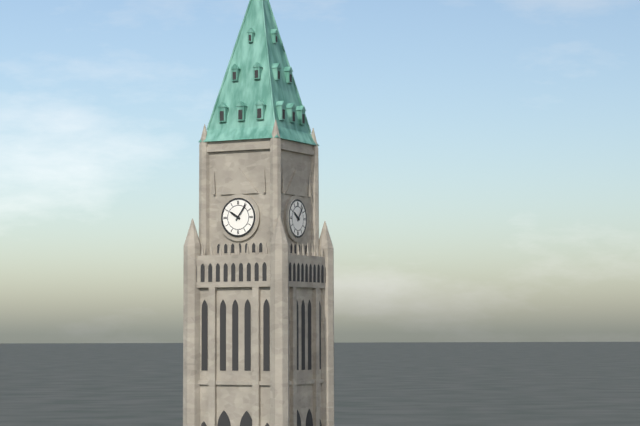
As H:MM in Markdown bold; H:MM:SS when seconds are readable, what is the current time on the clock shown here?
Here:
**10:06**
